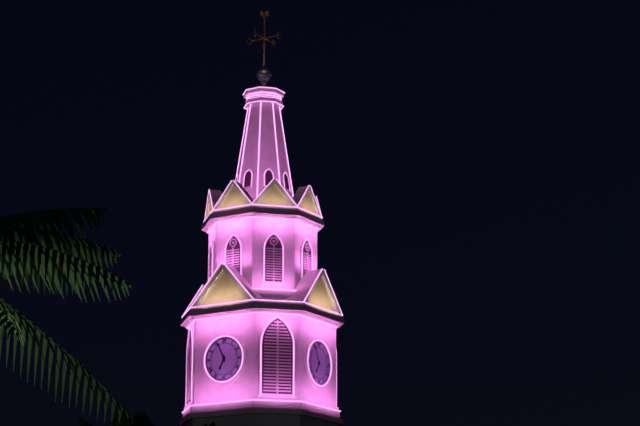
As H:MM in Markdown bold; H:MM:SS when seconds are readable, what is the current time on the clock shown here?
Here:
**6:56**
